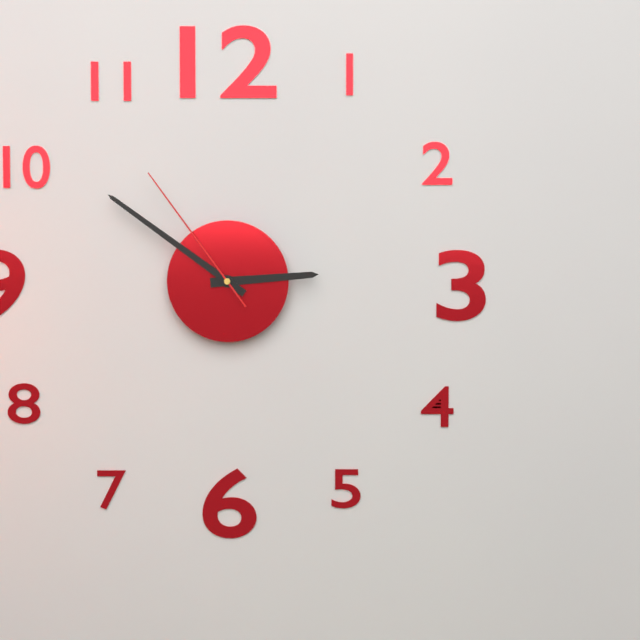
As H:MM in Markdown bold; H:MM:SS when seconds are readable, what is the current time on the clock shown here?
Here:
**2:51:54**
